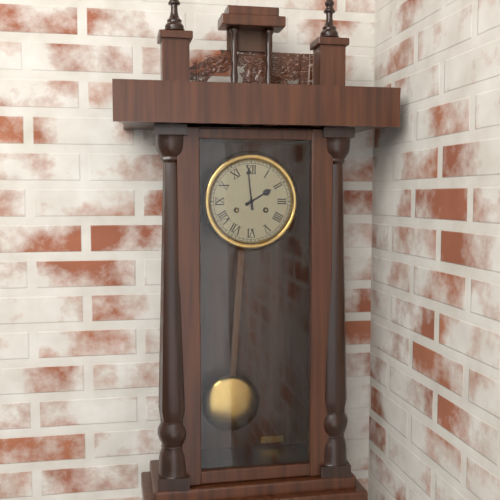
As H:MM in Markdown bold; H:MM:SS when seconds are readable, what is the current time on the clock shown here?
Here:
**1:59**
